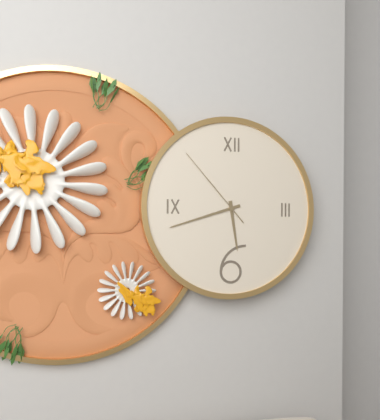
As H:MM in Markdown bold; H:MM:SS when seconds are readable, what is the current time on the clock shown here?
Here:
**5:42:53**
